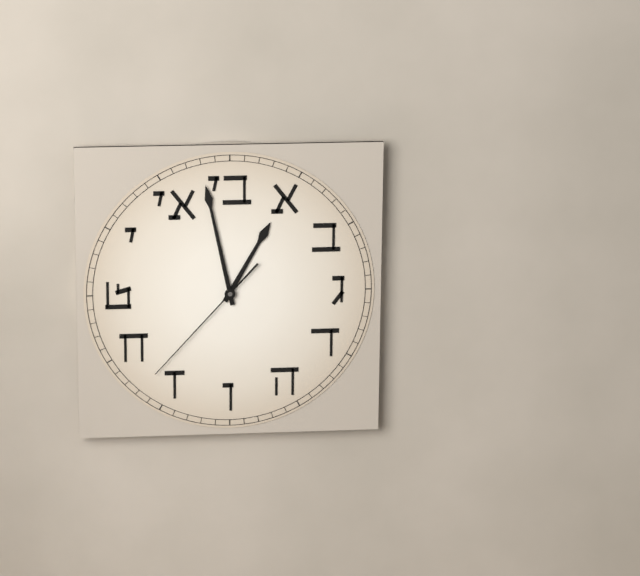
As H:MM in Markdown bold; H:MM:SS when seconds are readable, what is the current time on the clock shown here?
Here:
**12:58:37**
